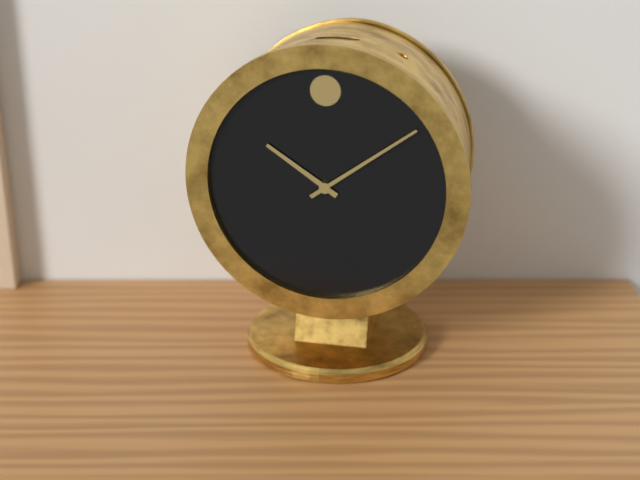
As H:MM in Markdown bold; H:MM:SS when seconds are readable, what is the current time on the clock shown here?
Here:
**10:09**
